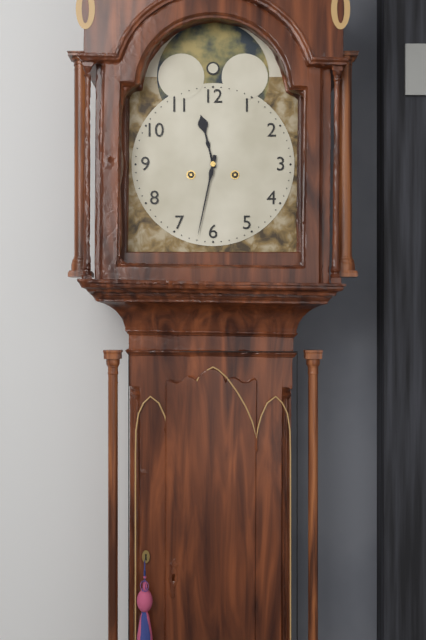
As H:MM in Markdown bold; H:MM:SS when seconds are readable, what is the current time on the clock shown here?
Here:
**11:32**
